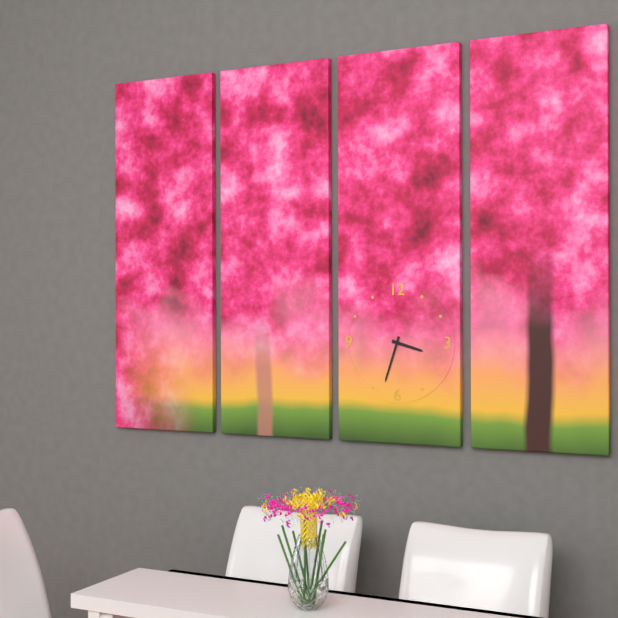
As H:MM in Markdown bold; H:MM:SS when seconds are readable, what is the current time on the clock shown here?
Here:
**3:33**
